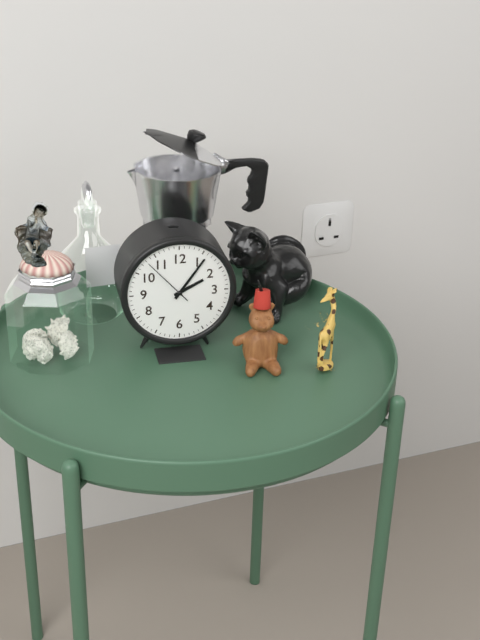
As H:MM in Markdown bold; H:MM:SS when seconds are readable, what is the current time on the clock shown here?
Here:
**2:06:53**
